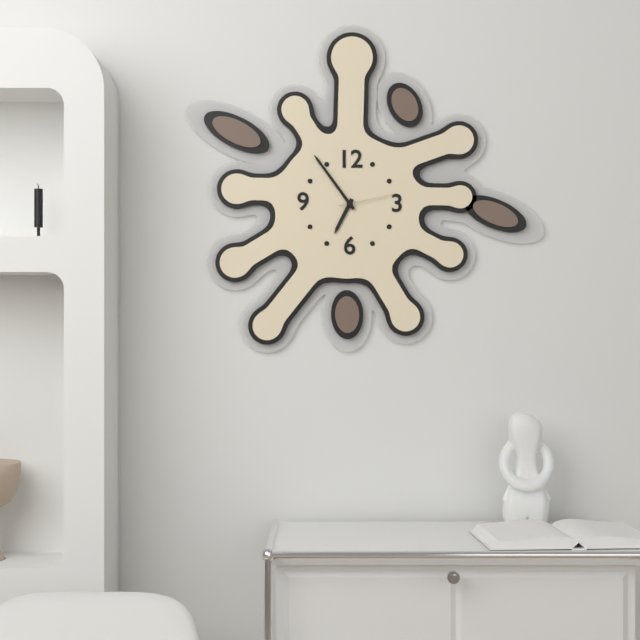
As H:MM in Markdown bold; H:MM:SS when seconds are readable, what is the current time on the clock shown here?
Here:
**6:54:13**
